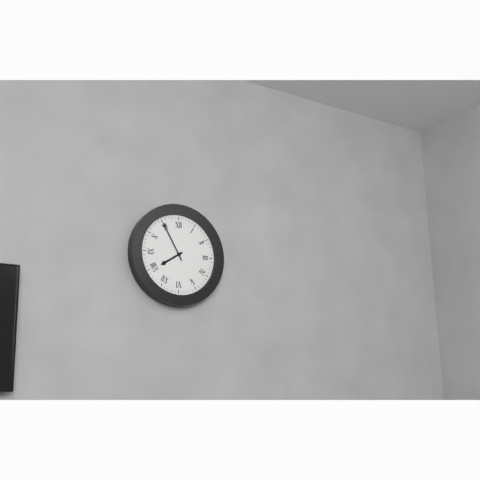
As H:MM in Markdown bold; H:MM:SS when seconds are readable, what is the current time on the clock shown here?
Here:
**7:55**
